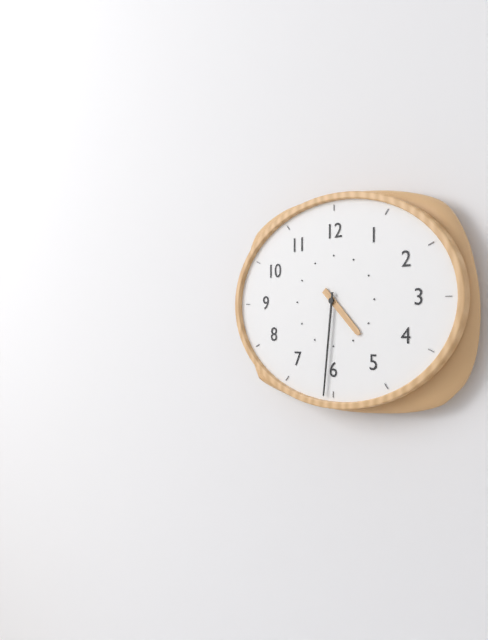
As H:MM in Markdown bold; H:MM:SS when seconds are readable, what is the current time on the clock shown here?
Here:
**4:31**
